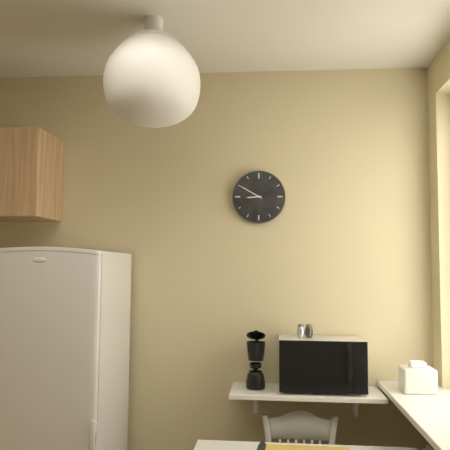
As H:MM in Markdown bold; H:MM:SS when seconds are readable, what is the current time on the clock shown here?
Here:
**8:50**
